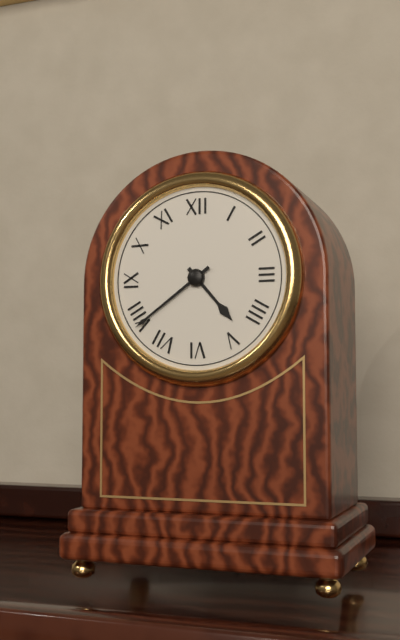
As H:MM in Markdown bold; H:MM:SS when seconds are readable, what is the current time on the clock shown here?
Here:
**4:39**
